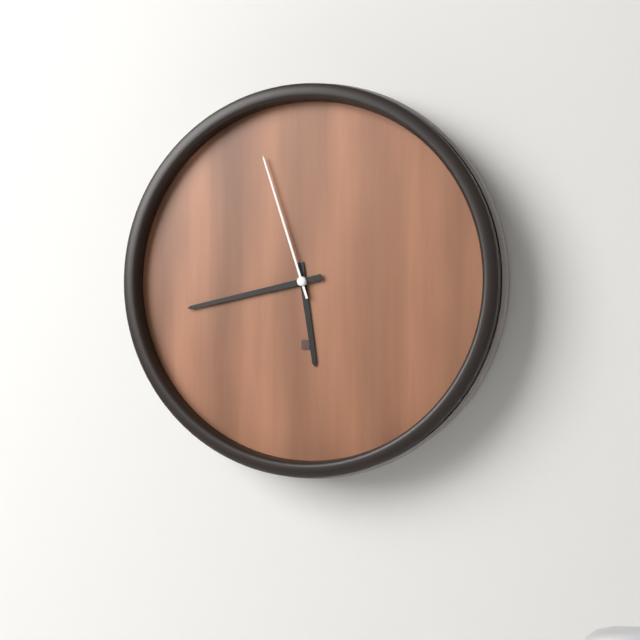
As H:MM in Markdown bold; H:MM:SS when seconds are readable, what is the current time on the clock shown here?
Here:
**5:43:57**
